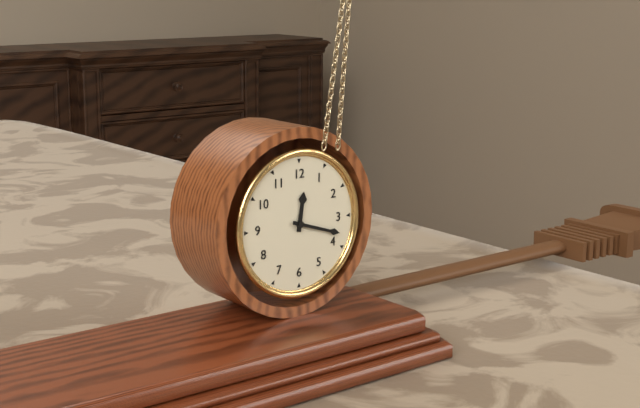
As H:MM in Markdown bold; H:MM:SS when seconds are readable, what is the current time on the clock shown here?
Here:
**12:18**
